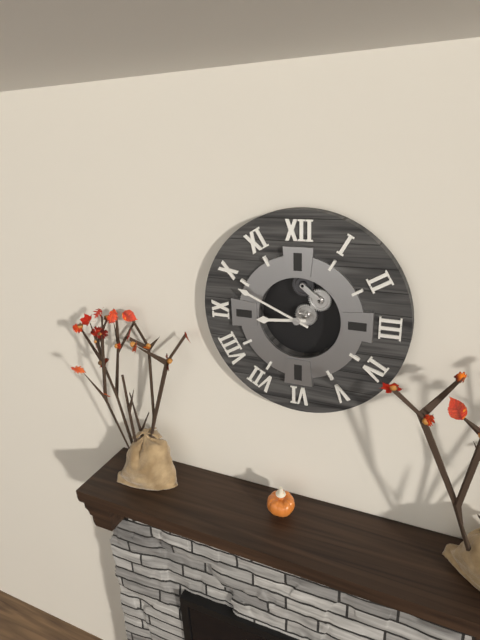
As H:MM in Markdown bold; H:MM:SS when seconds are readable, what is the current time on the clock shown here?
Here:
**8:49**
